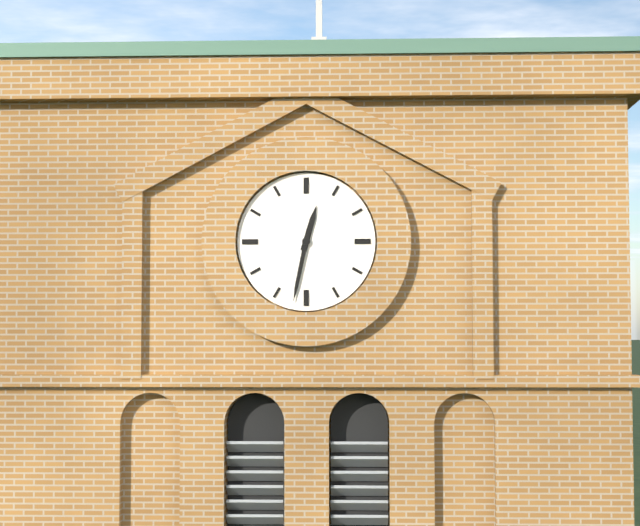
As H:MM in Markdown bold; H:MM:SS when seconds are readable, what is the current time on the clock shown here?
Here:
**12:32**
